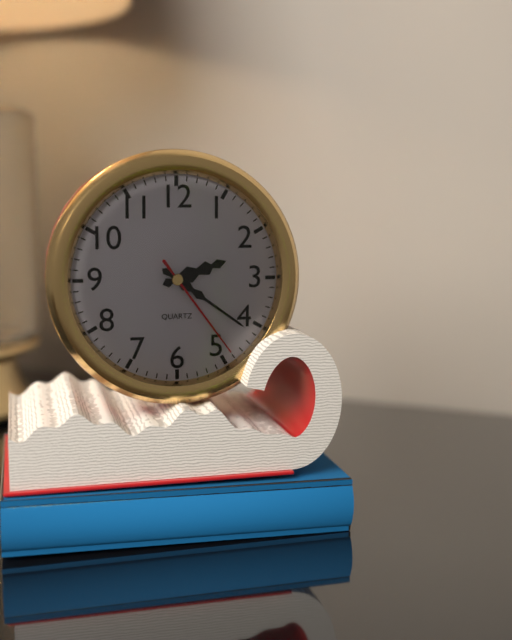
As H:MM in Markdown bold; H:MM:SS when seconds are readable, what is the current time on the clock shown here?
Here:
**2:21:24**
